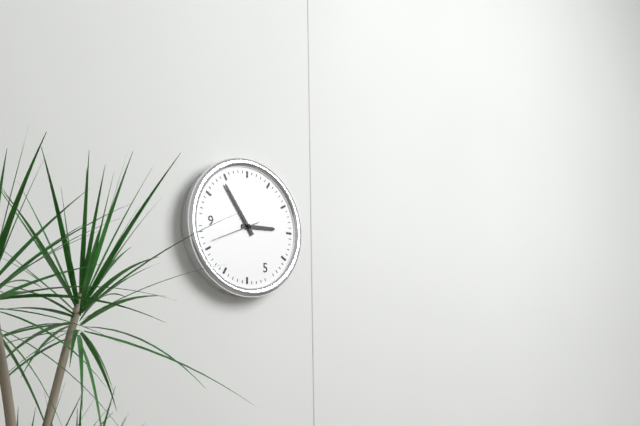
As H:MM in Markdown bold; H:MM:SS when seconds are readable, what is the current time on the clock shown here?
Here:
**2:54**
